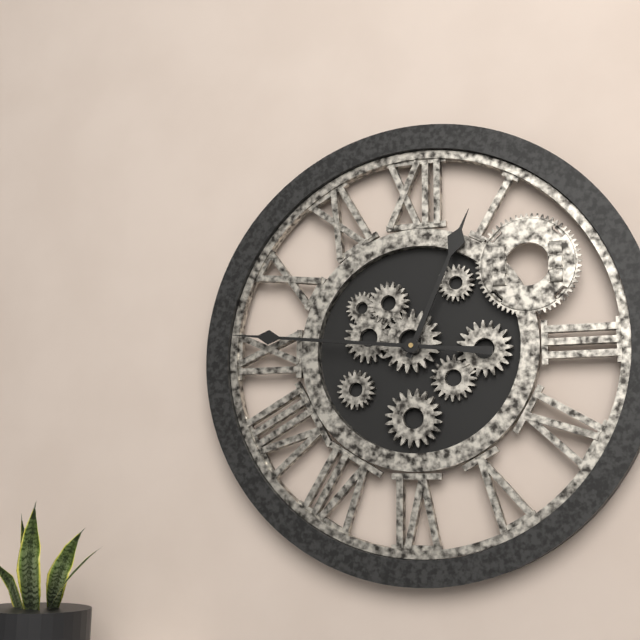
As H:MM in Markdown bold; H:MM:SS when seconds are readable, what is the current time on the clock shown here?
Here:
**12:46**
